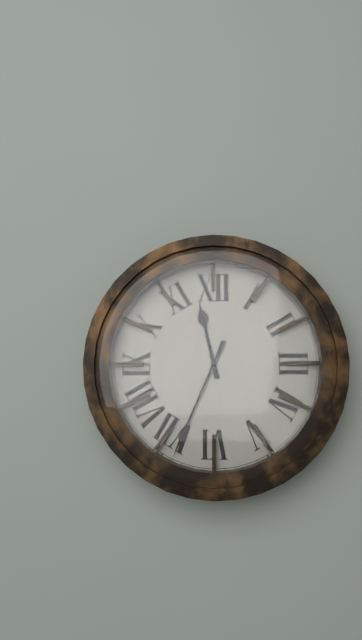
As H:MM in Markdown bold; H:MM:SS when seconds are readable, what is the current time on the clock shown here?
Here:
**11:34**
